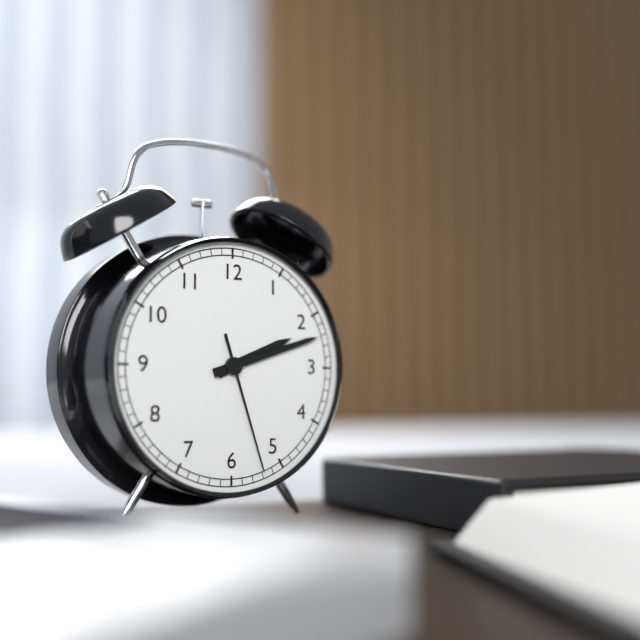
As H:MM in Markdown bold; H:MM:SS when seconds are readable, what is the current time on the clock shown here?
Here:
**2:12:27**
